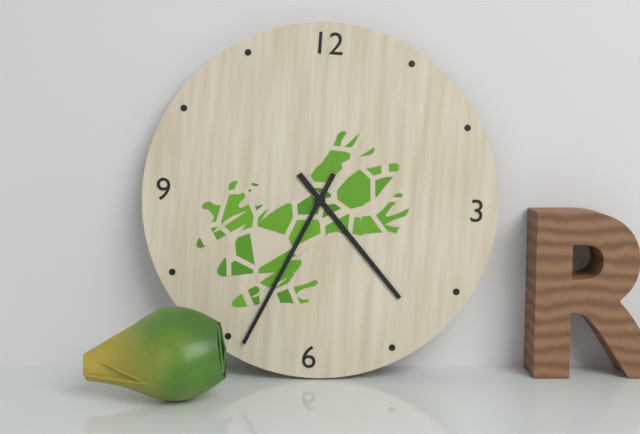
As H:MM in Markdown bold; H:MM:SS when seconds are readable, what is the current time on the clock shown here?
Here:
**4:34**
